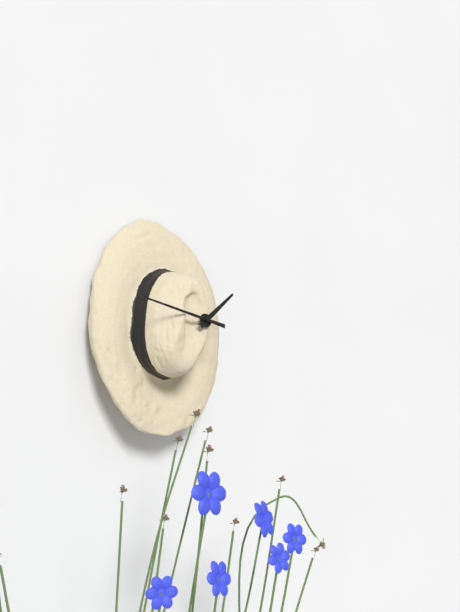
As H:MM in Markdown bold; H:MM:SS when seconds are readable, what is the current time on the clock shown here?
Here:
**1:47**
